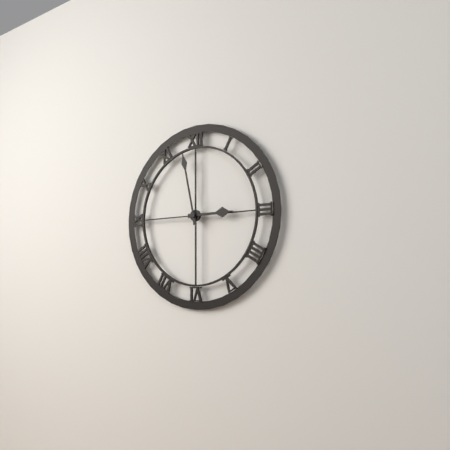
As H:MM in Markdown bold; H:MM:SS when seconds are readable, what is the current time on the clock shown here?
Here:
**2:58**
